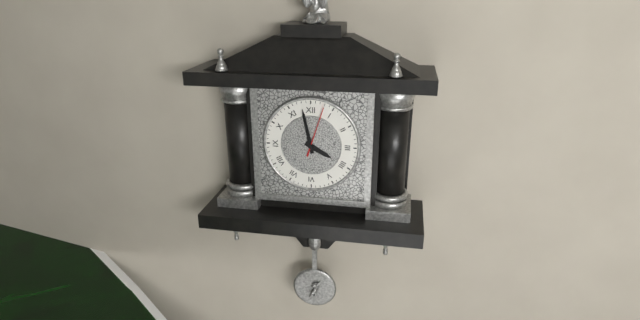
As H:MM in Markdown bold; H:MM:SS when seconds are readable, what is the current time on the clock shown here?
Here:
**3:58**
